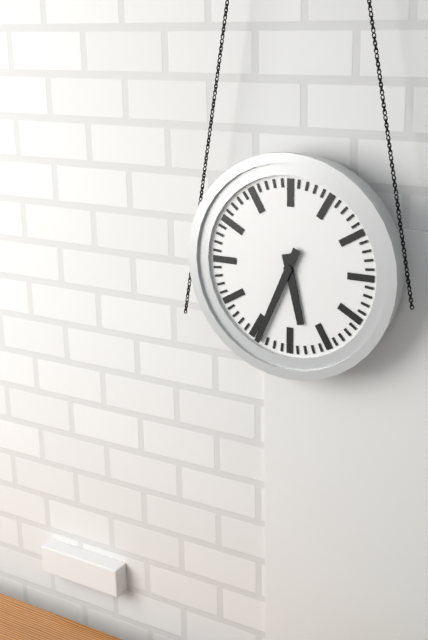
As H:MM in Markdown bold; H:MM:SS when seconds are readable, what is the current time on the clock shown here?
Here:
**5:34**
